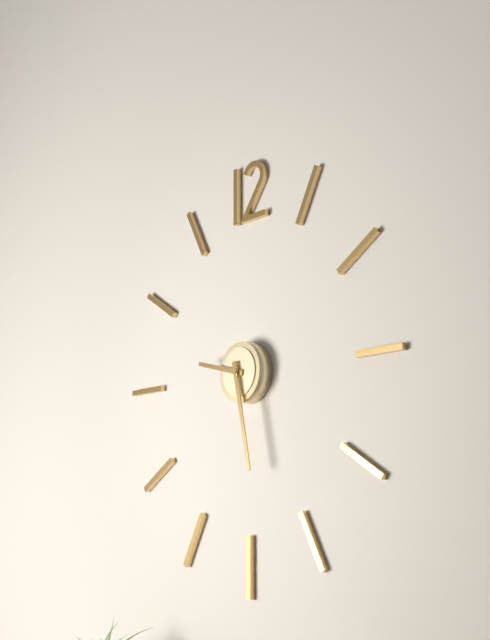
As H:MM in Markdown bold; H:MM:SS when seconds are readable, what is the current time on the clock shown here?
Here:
**9:28**
